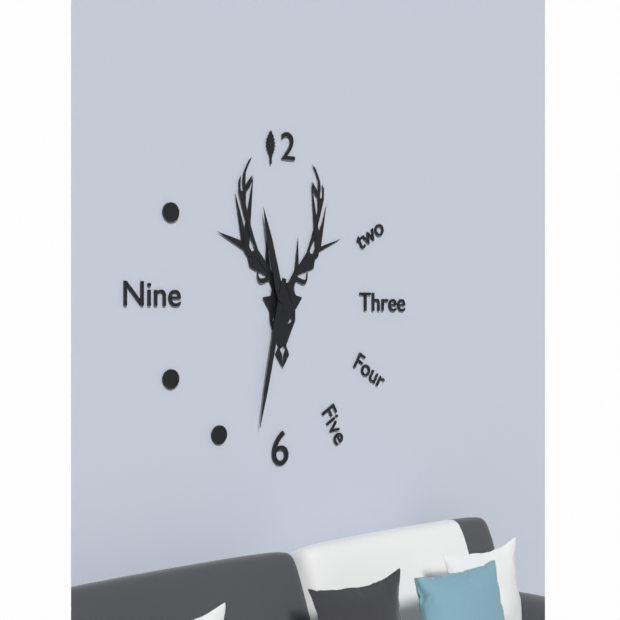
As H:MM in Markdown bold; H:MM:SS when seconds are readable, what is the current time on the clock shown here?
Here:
**11:32**
